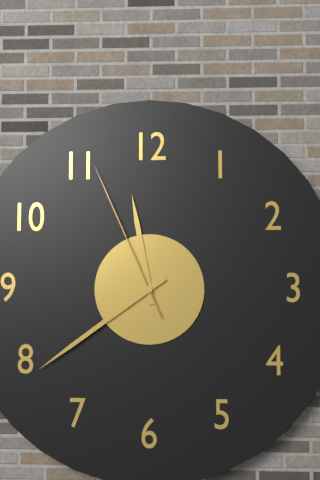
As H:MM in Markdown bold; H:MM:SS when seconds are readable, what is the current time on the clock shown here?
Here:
**11:39:56**
